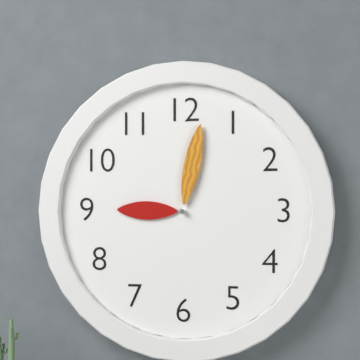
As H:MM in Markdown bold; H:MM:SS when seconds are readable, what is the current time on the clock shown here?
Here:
**9:02**
